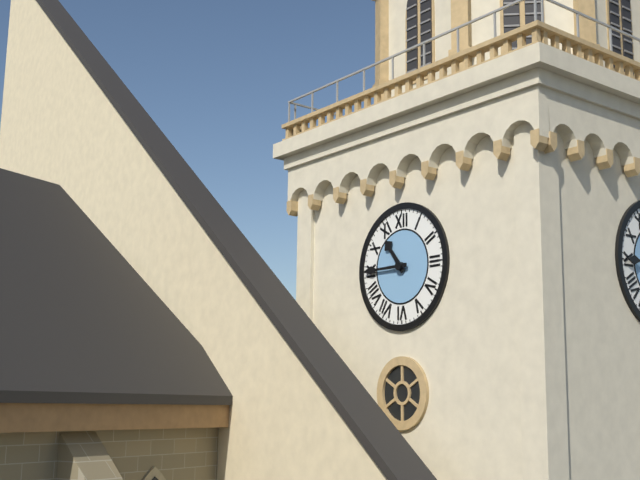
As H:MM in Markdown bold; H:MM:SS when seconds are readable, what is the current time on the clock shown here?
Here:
**10:45**
